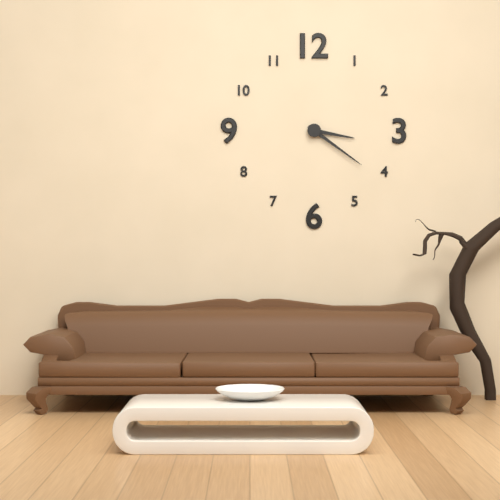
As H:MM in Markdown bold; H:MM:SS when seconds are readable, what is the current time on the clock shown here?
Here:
**3:21**
